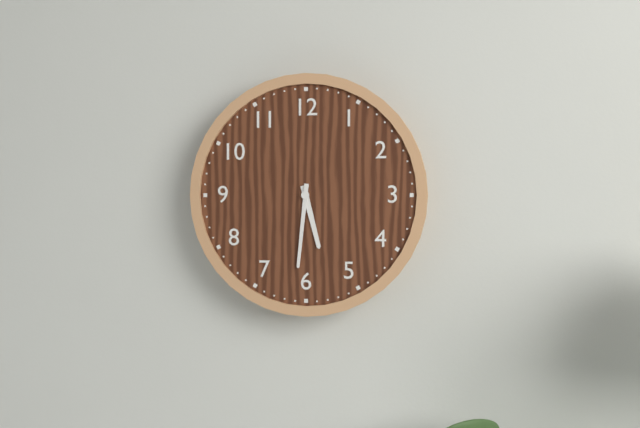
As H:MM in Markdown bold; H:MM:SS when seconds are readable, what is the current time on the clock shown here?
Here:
**5:31**
